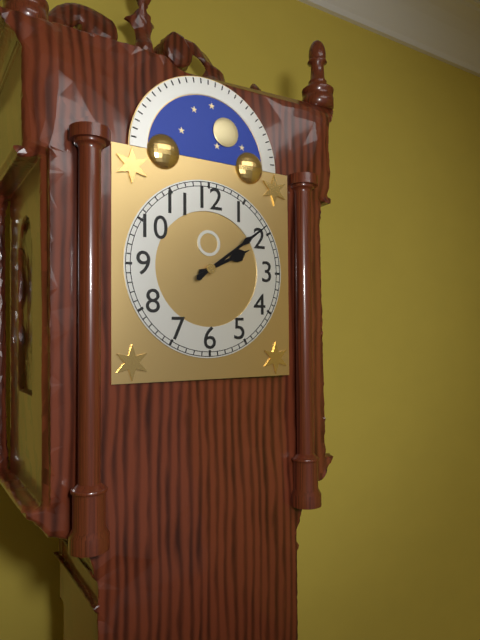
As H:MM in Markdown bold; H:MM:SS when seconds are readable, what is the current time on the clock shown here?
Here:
**2:09**
